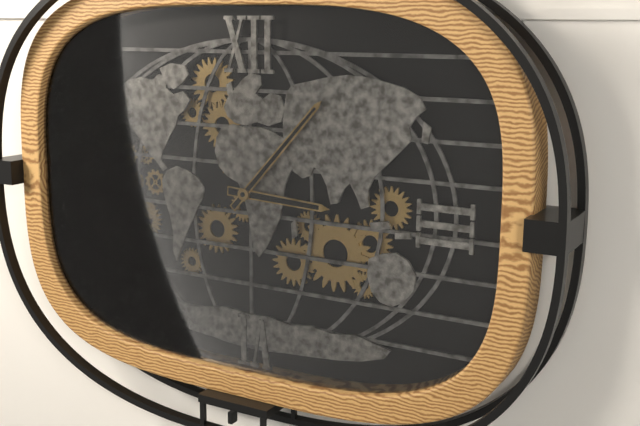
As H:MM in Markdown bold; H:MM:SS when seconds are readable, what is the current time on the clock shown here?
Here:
**3:07**
